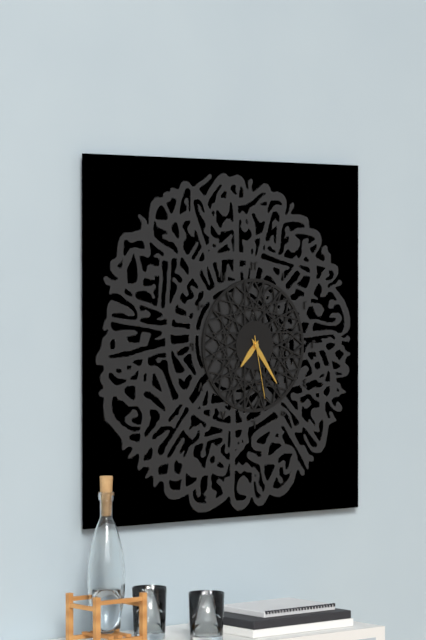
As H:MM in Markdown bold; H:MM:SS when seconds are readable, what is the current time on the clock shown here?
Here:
**7:24:28**
